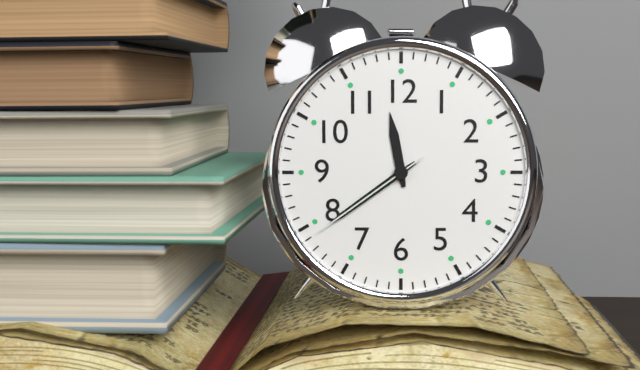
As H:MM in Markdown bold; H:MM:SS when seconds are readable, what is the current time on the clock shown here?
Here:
**11:39:39**
